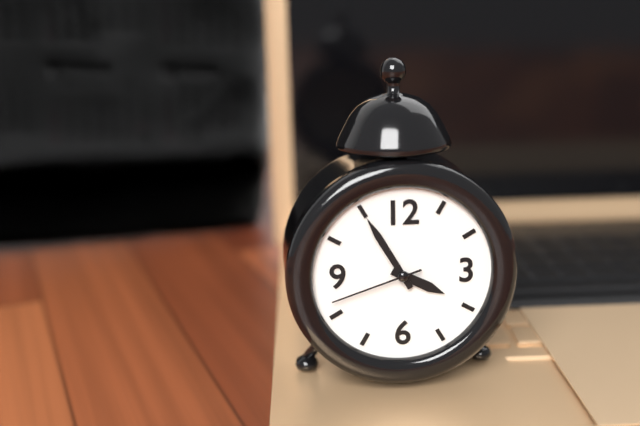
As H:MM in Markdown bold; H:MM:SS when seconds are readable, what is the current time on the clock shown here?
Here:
**3:55:42**
